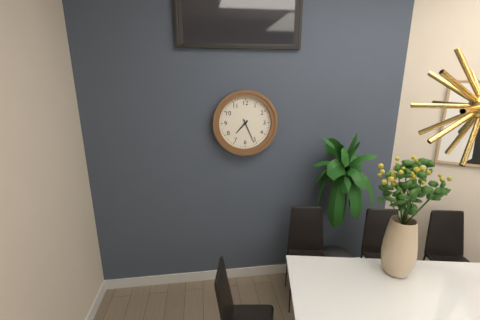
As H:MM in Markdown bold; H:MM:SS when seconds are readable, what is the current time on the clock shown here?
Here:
**7:26**
